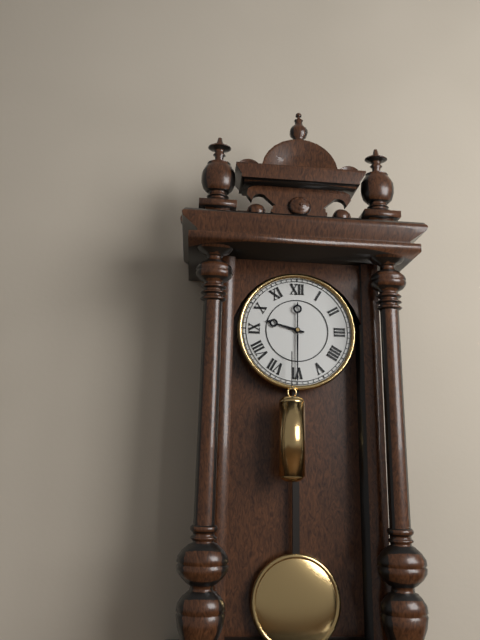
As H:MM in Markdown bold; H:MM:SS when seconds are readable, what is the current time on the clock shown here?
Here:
**9:30**
